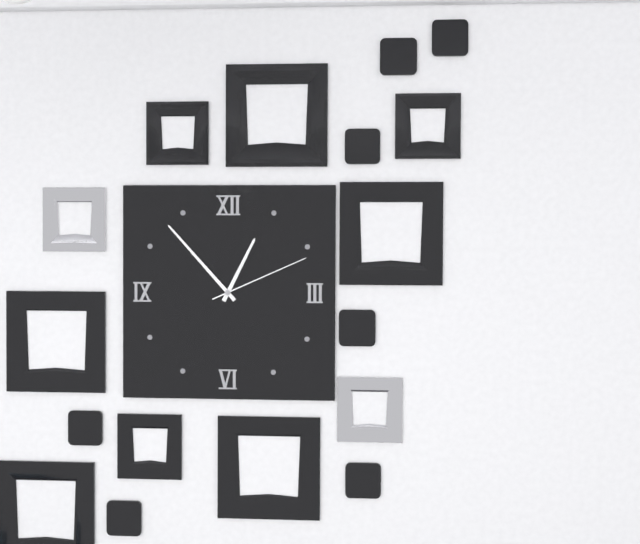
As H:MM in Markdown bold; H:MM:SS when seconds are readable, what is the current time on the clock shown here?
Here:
**12:53:11**
